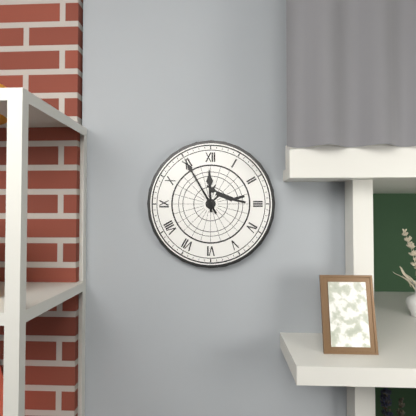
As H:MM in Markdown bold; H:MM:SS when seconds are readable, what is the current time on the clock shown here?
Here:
**11:55**
